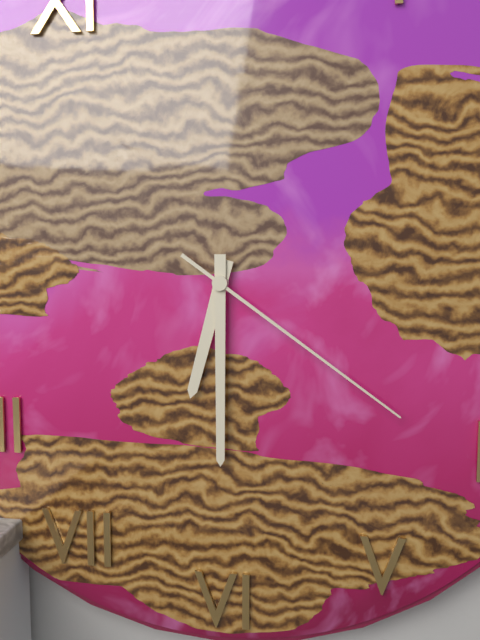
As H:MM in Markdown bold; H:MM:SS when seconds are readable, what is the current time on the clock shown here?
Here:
**6:30:21**
